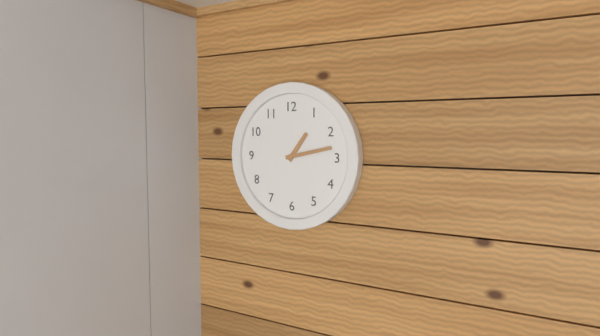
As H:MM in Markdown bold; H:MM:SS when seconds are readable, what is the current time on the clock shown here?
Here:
**1:13**
